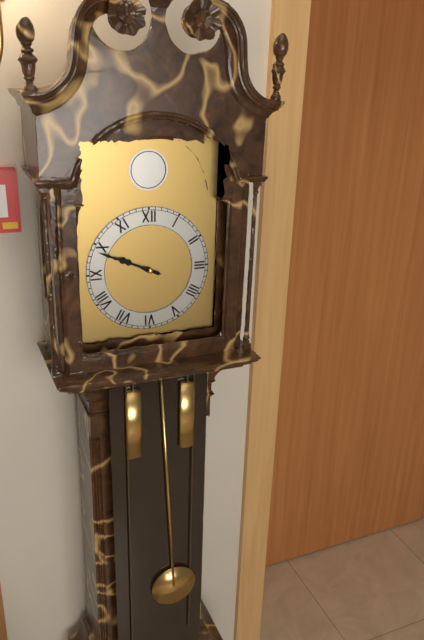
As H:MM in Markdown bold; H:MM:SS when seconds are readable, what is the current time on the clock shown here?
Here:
**9:49**
